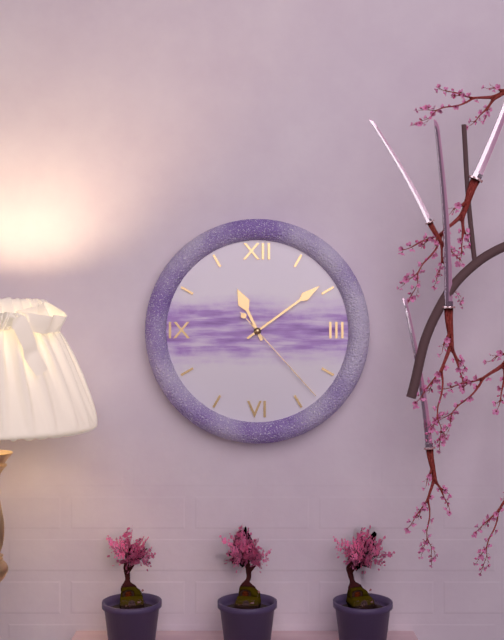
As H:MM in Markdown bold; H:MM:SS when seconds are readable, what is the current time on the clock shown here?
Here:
**11:09:23**
